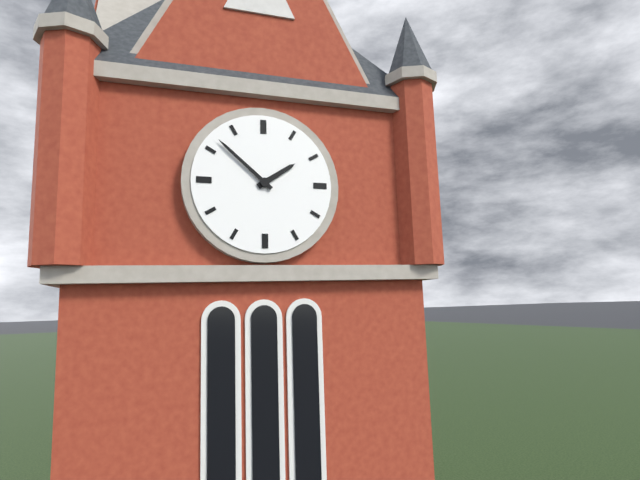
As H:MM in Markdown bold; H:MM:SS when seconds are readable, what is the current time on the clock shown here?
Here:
**1:52**
